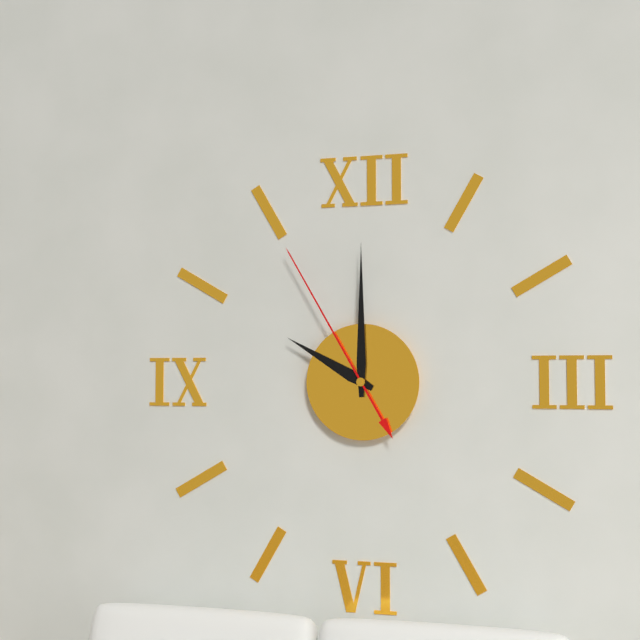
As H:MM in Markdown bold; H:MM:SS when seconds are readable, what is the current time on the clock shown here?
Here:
**10:00:55**
